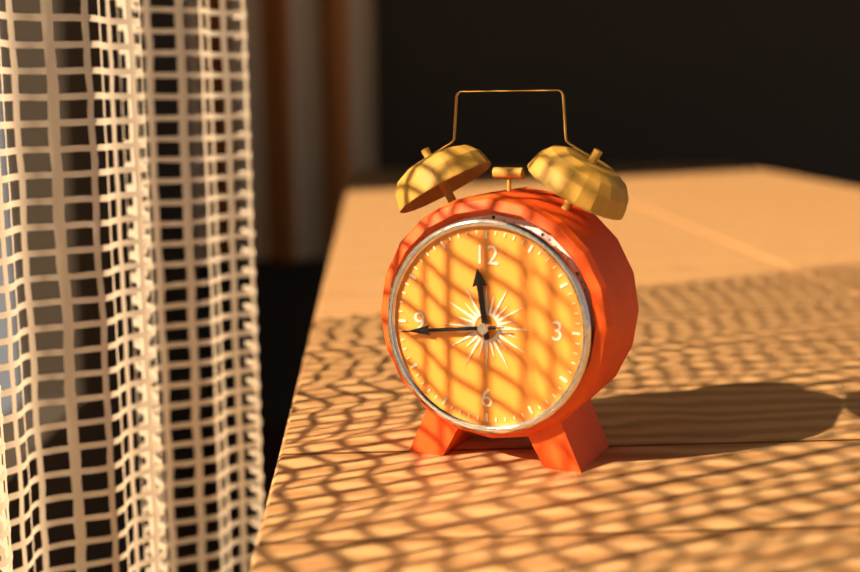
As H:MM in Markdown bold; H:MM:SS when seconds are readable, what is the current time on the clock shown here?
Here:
**11:44:44**
